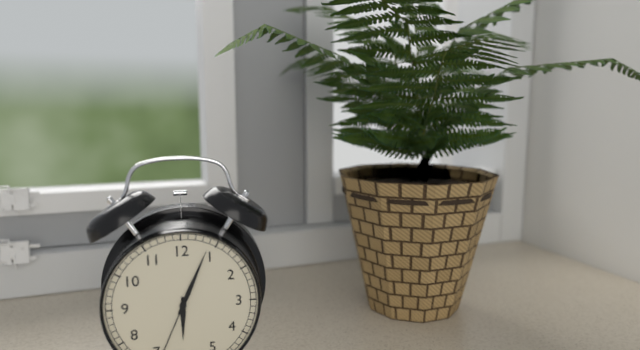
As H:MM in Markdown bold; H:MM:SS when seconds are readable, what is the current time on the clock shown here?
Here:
**6:04**
